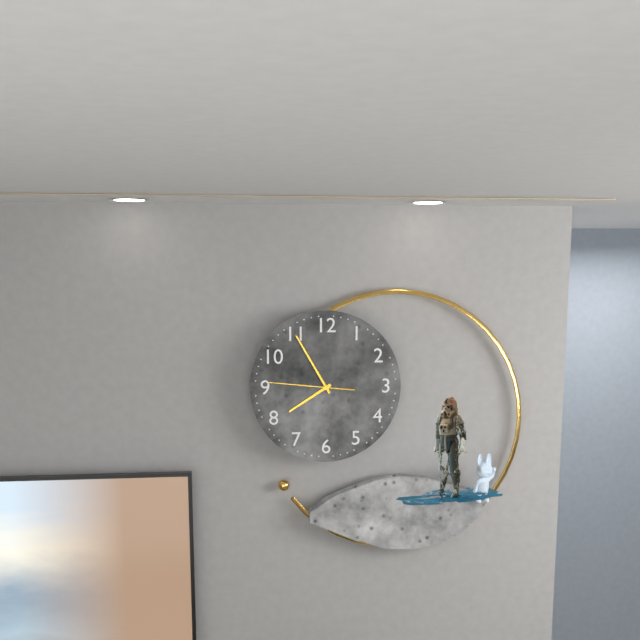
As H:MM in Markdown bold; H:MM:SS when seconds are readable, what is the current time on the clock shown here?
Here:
**7:55:46**
